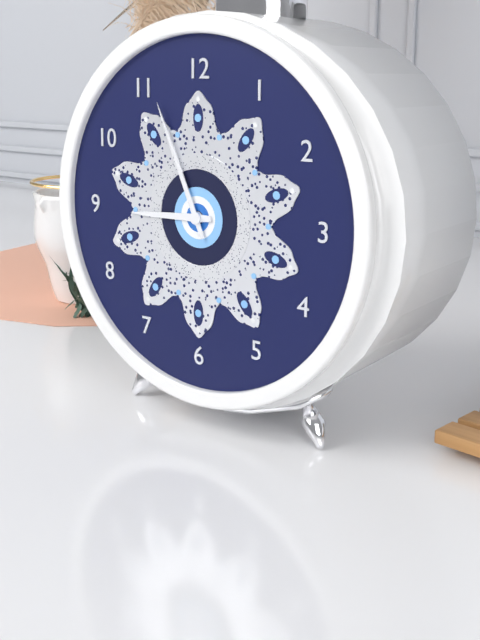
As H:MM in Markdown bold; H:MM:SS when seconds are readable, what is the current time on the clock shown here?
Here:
**8:56**
